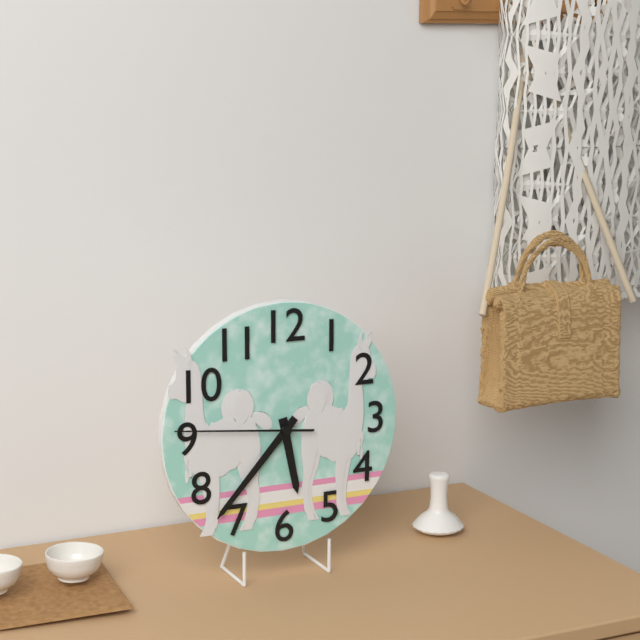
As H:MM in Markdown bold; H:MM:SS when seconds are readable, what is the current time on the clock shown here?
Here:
**5:37:46**
